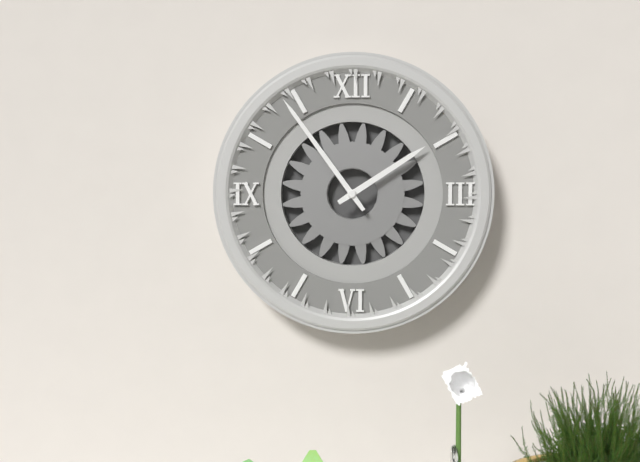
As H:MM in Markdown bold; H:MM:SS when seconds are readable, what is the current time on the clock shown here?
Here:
**1:54**
